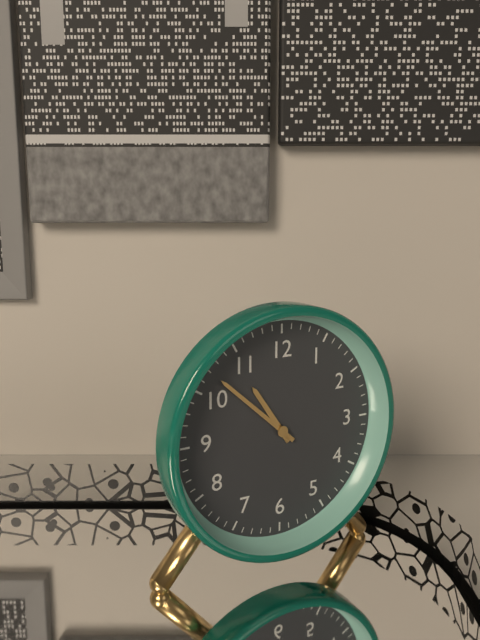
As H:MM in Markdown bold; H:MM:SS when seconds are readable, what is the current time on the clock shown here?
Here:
**10:52**
